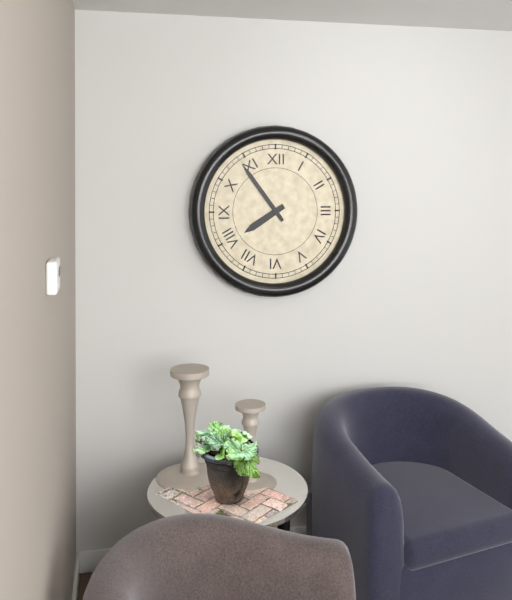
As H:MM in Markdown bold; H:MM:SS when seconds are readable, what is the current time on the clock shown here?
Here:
**7:54**
